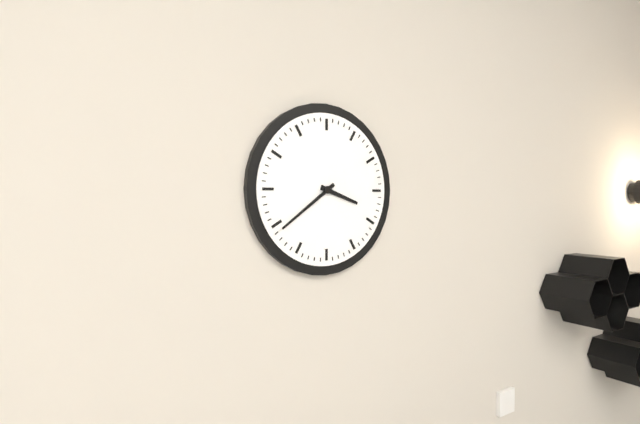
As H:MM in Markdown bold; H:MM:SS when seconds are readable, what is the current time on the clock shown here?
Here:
**3:39**
